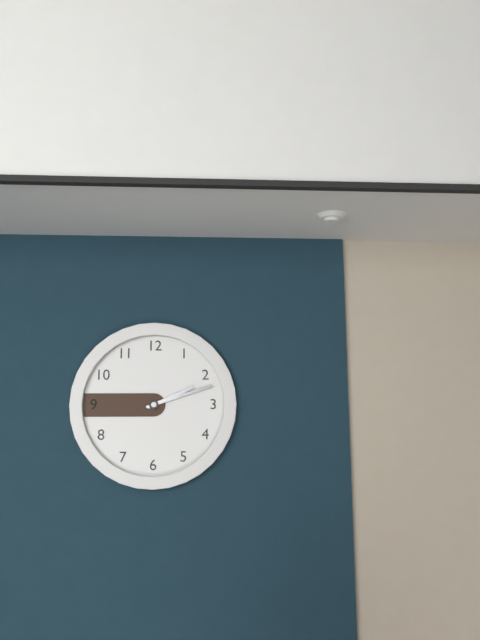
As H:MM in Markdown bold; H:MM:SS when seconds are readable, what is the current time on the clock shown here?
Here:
**2:12**
